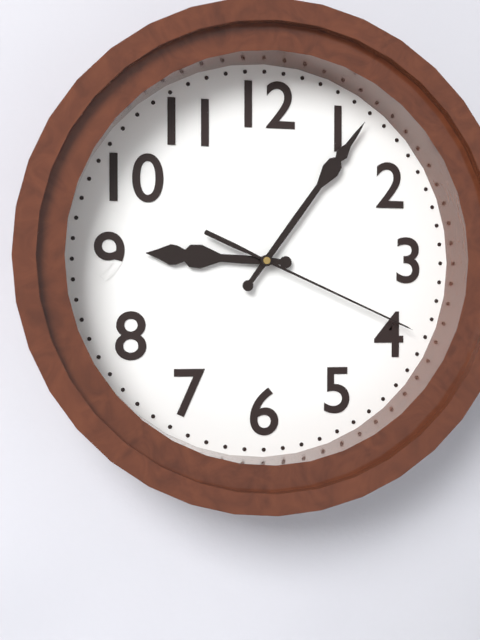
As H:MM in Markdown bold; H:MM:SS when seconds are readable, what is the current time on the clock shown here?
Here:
**9:06:19**
